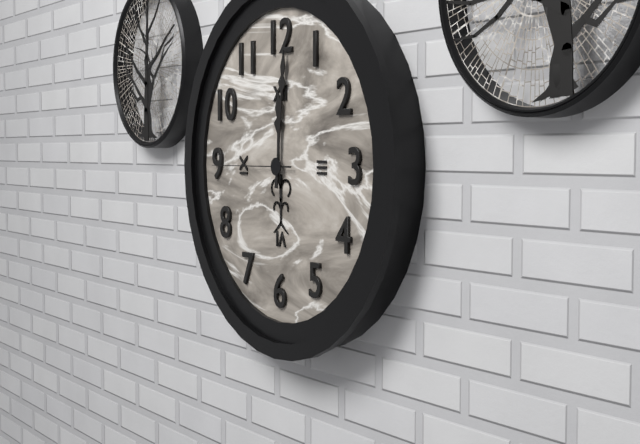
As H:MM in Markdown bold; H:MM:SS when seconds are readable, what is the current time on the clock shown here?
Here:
**12:01:45**
